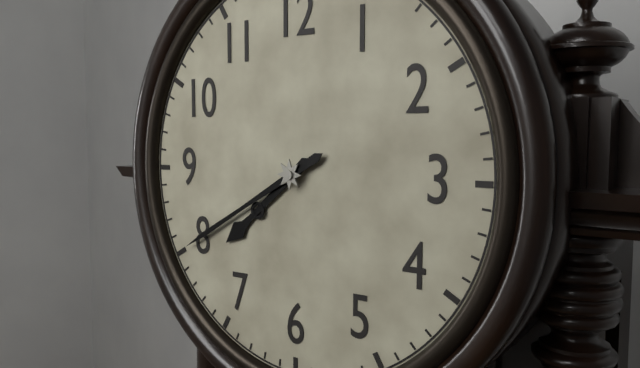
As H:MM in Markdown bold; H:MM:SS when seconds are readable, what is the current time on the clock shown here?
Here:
**7:40**
